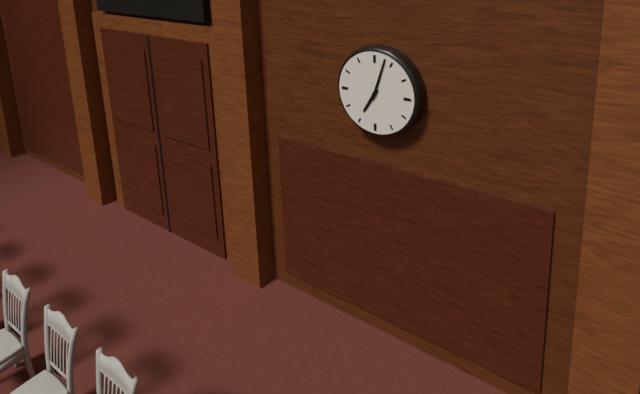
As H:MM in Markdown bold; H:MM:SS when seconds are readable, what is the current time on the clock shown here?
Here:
**7:03**
